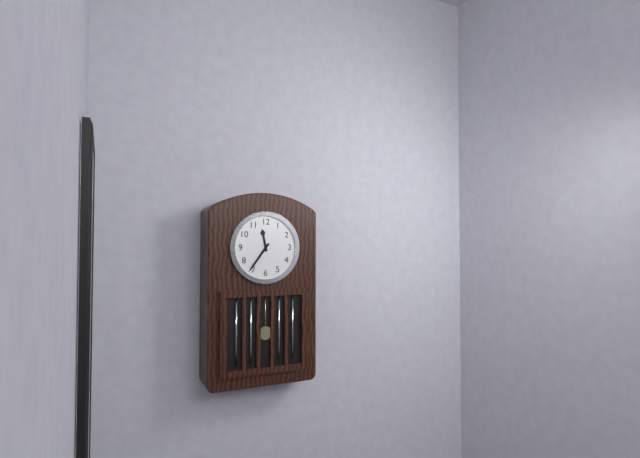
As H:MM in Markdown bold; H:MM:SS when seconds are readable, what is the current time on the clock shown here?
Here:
**11:36**
